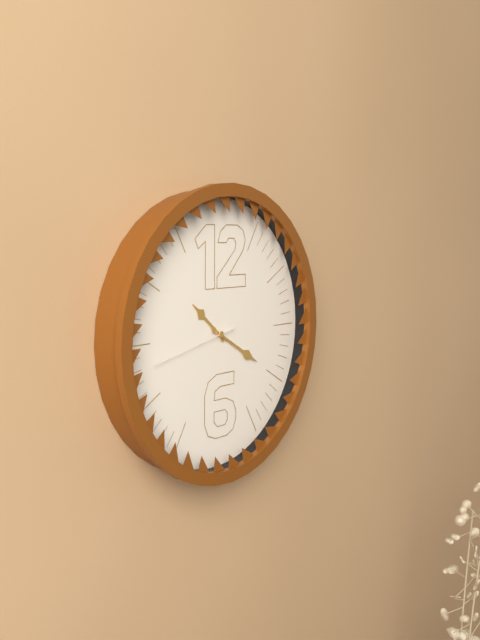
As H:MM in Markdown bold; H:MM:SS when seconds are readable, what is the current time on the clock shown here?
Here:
**10:20:43**
